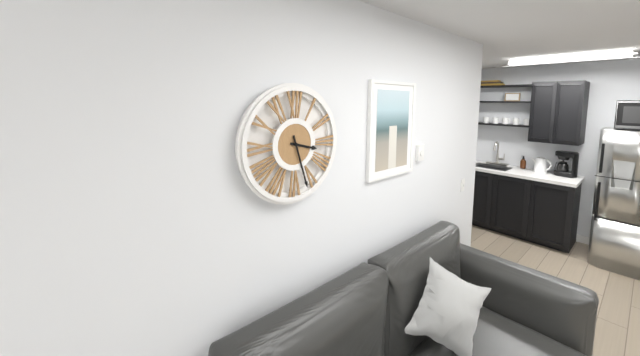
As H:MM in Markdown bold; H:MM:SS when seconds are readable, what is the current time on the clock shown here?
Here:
**3:27**
